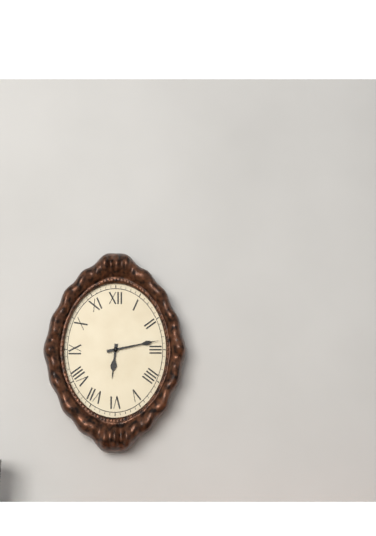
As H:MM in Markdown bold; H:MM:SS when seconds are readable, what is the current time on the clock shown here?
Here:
**6:13**
